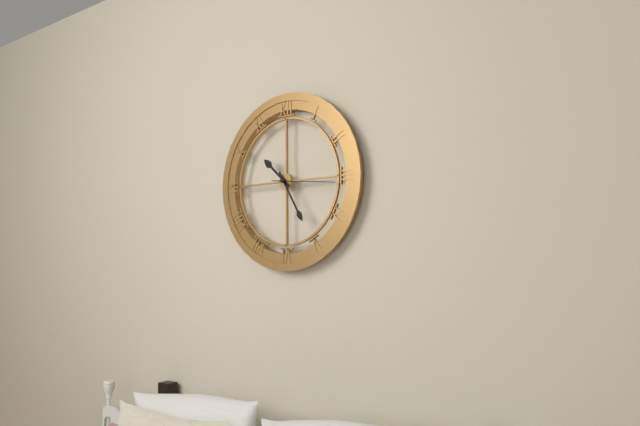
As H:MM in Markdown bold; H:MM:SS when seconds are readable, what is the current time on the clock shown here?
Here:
**10:25:16**
